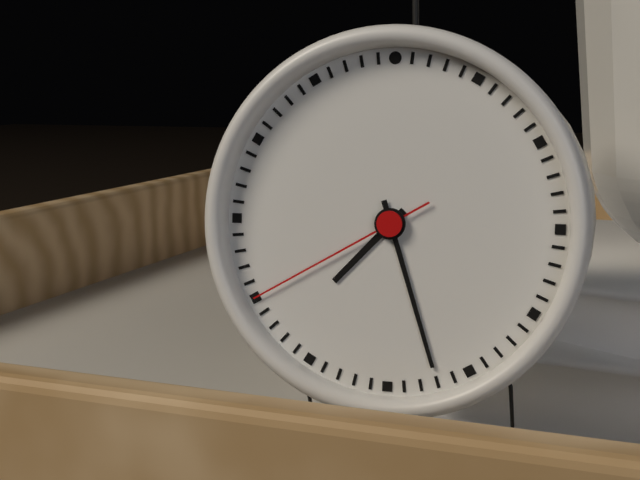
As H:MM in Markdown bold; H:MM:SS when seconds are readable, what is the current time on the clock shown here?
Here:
**7:27:40**
